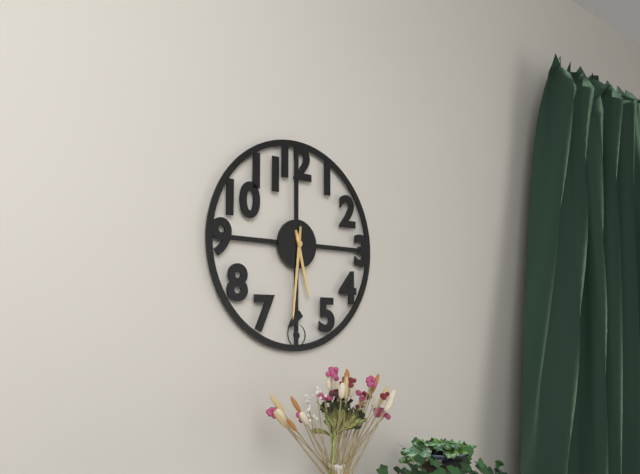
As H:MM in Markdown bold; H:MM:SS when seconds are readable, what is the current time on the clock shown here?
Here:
**5:31**
